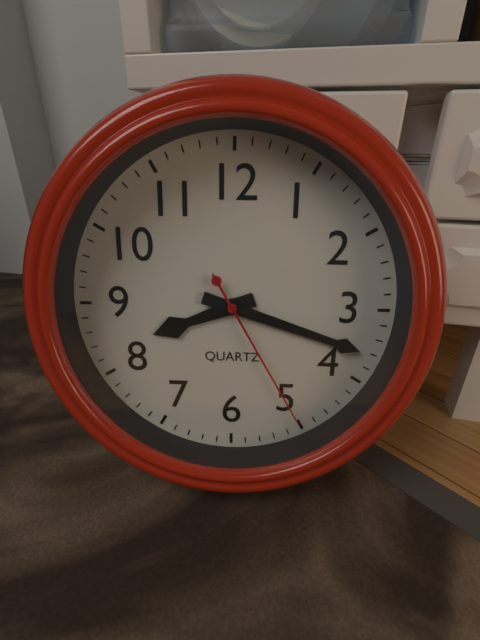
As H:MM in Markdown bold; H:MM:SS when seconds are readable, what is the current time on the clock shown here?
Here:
**8:18:25**
